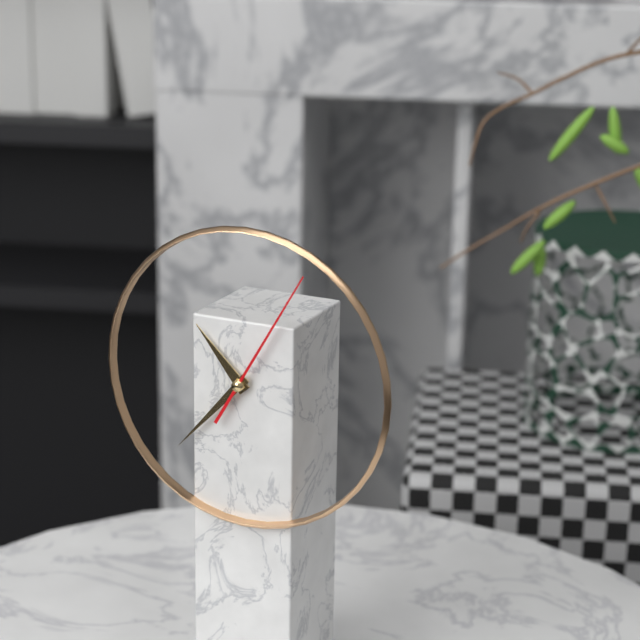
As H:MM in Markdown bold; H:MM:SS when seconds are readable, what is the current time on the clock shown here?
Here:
**10:37:05**
